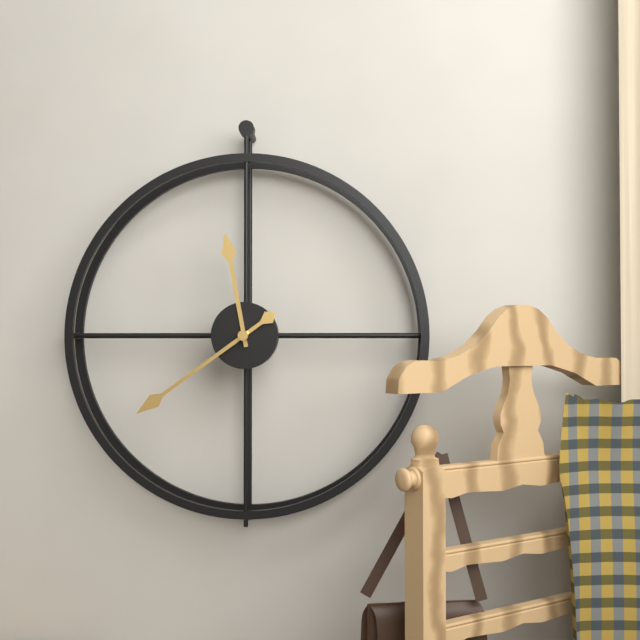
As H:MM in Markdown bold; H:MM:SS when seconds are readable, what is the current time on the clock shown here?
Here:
**11:39**
